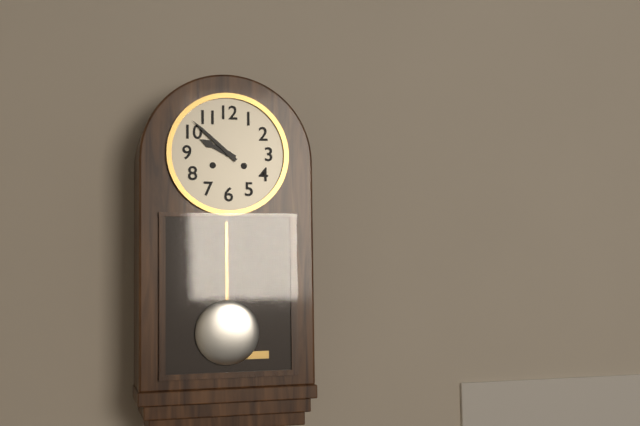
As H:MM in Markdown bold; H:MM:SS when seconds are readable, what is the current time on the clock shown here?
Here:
**9:52**
